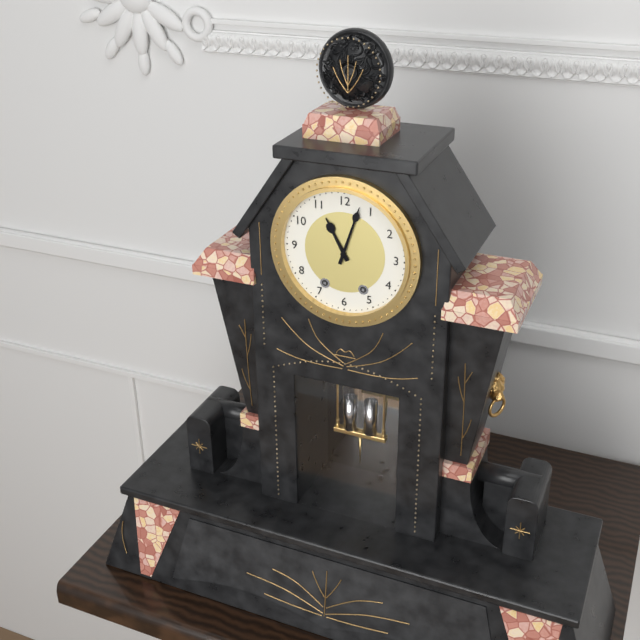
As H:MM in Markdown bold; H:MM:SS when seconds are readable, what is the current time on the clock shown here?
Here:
**11:03**
